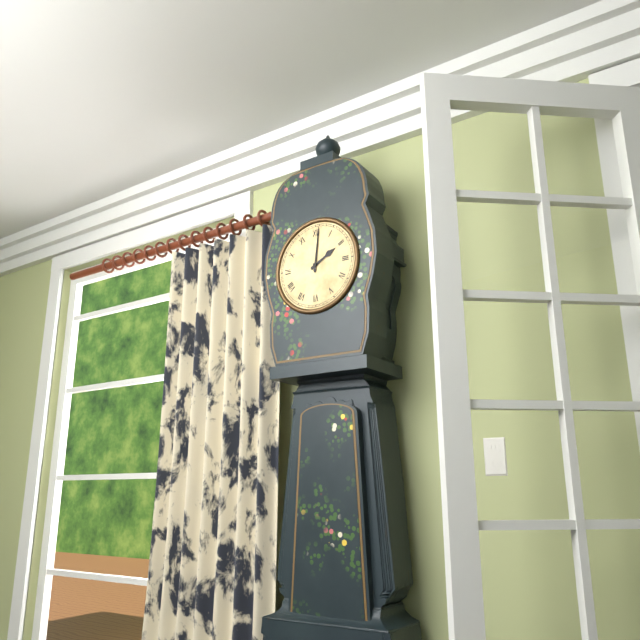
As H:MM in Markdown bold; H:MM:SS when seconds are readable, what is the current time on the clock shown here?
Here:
**2:01**
